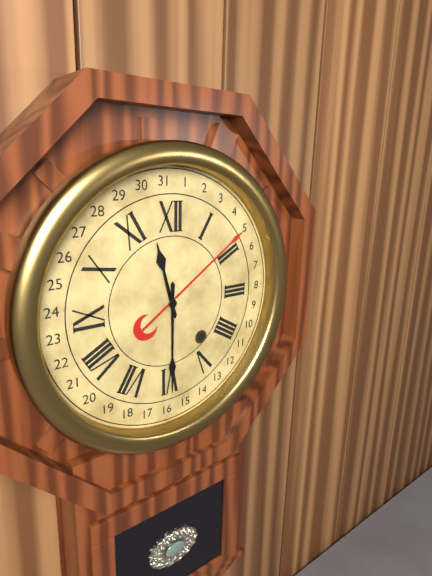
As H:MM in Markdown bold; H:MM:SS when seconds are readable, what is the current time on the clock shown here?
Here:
**11:30**
